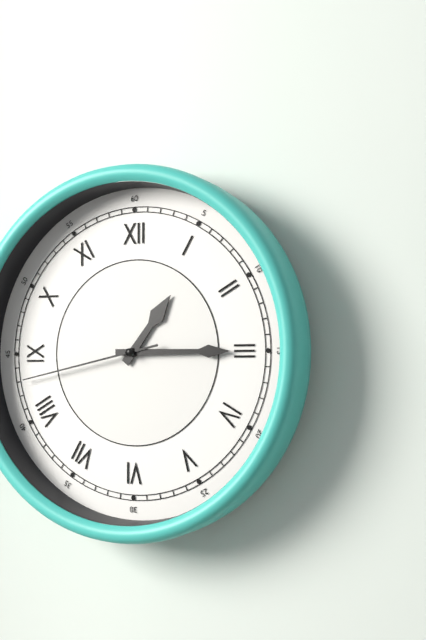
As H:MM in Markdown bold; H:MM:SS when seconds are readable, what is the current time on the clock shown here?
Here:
**1:15:43**
